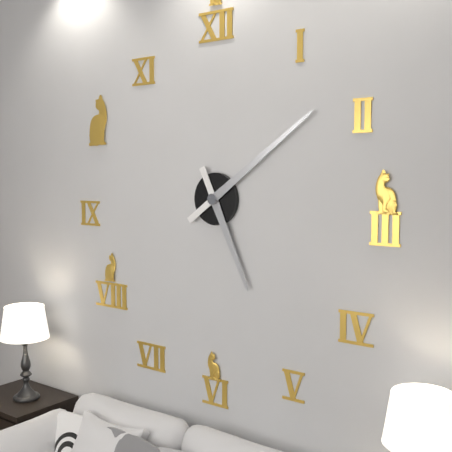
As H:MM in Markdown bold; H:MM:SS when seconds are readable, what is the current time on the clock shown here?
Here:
**5:09**
